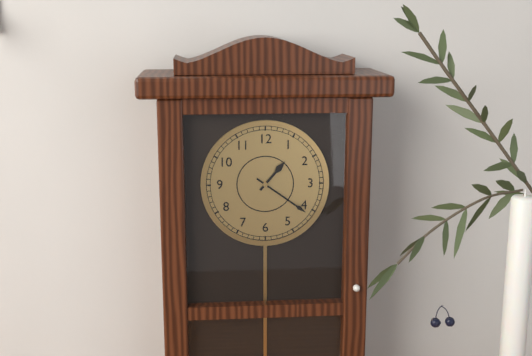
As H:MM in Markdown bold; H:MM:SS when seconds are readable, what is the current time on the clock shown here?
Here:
**1:21**
